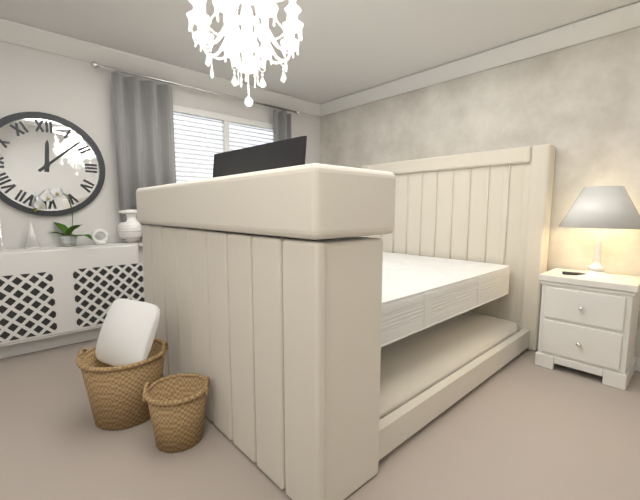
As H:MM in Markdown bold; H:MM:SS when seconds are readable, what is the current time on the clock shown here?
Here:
**12:08**
